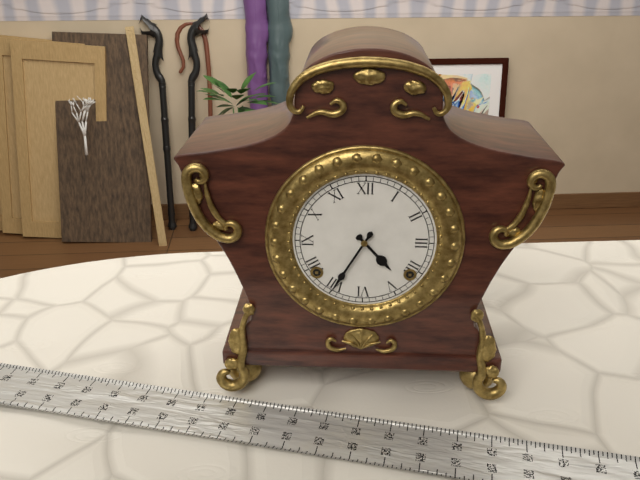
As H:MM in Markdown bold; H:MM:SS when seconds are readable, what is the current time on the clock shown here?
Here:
**4:35**
